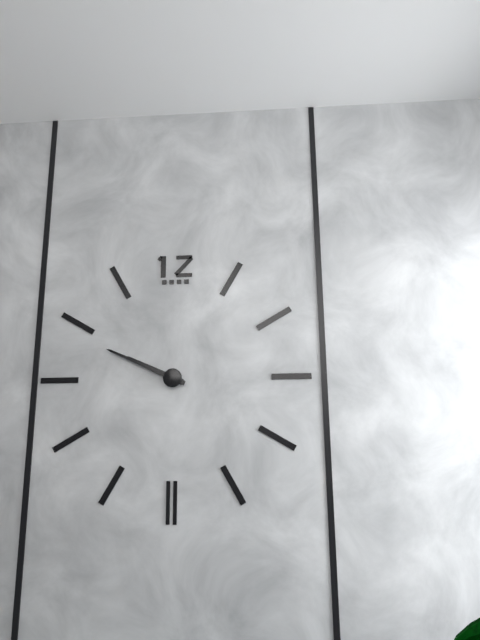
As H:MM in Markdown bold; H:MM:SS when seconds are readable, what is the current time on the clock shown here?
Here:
**9:49**
